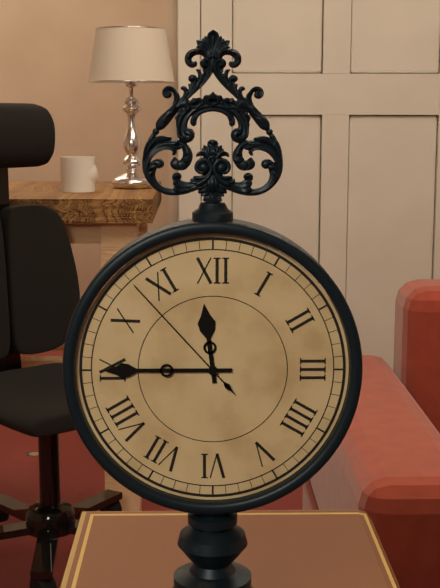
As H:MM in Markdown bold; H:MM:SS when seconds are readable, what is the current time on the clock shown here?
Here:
**11:45:53**
